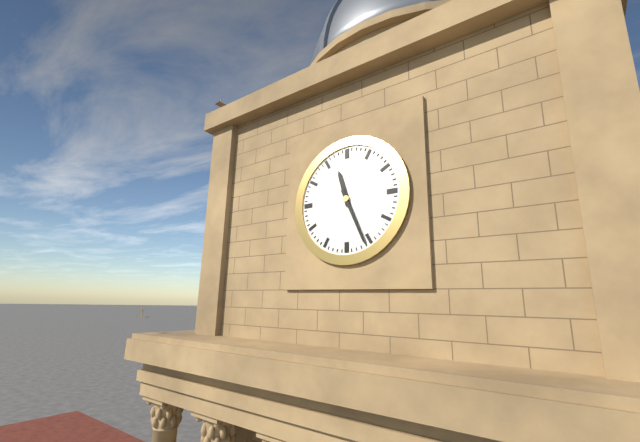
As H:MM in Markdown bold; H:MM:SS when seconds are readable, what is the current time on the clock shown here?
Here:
**11:26**
